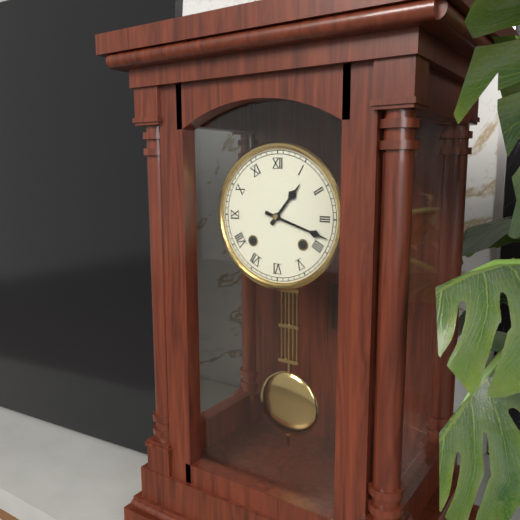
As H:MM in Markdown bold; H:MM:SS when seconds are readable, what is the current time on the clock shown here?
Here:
**1:18**
